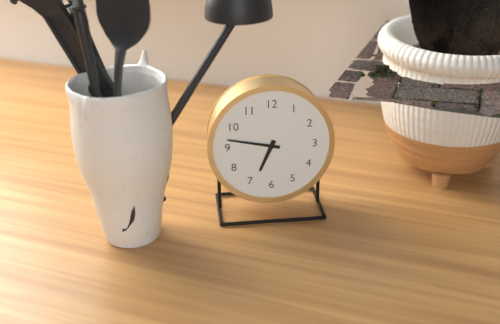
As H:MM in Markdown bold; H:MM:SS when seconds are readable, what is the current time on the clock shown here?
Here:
**6:47**
